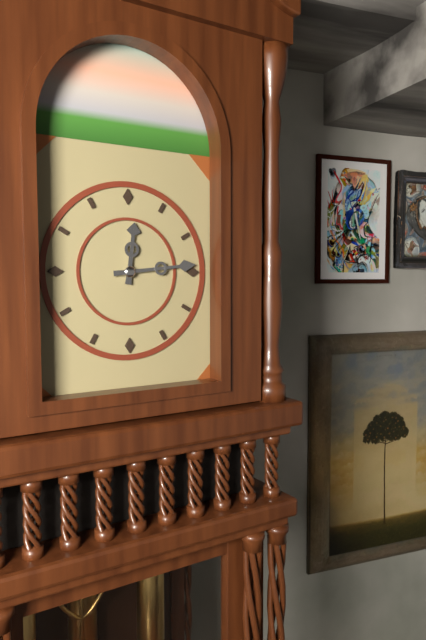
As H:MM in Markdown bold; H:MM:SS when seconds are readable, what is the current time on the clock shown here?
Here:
**12:14**
